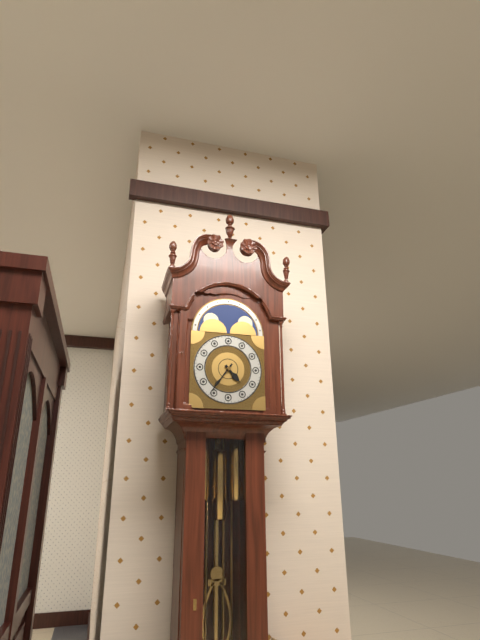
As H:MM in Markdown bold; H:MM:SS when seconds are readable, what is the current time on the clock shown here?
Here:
**4:36**
